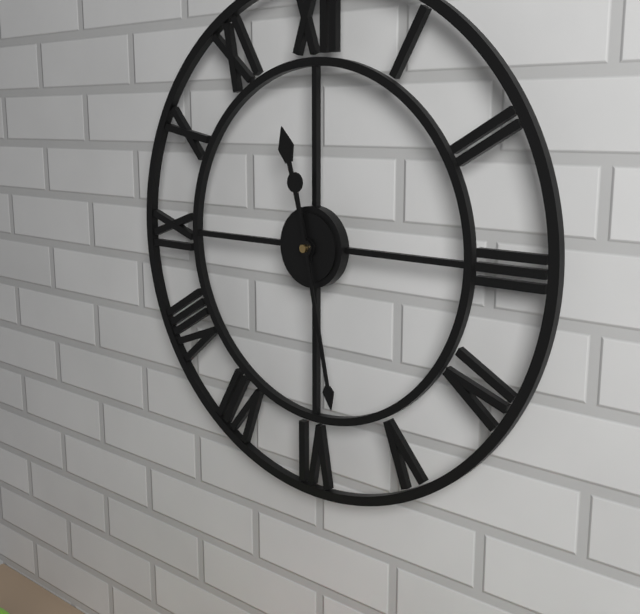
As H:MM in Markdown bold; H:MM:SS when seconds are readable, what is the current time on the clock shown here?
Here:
**11:28**
